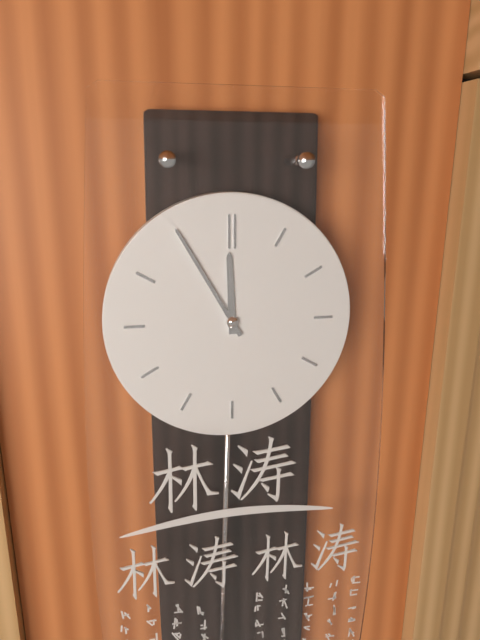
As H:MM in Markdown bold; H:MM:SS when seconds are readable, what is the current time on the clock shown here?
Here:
**11:55**
